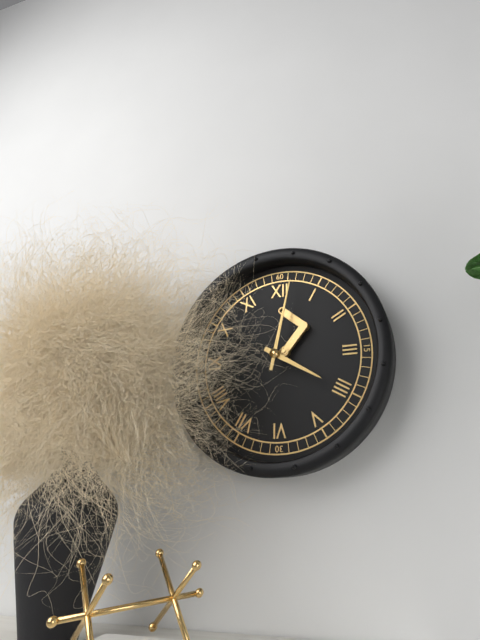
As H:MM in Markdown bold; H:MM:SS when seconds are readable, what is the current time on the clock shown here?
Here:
**4:02**
